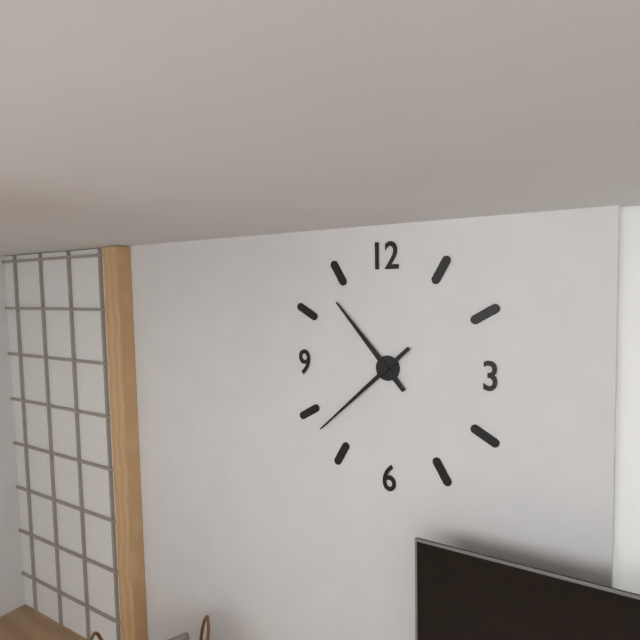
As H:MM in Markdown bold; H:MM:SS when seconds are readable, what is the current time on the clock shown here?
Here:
**10:38**
